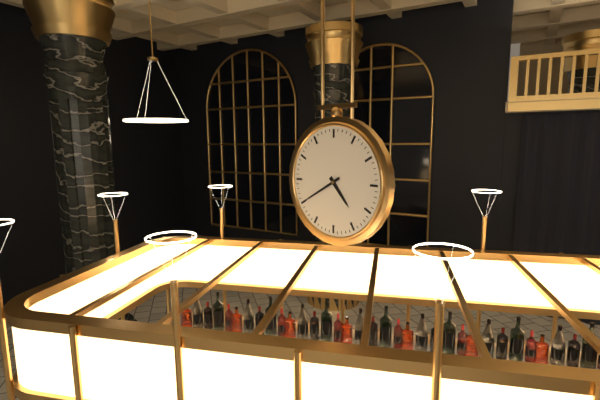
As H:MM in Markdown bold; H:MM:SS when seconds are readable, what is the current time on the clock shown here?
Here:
**4:40**
